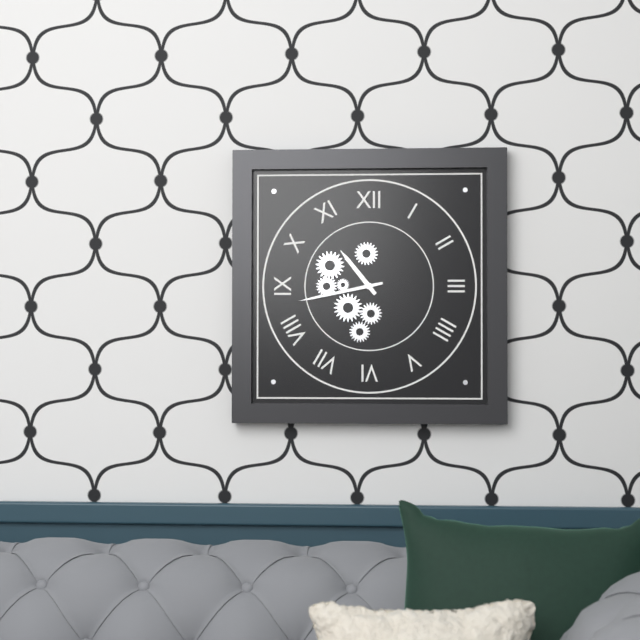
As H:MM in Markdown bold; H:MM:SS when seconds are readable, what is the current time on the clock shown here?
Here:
**10:43**
